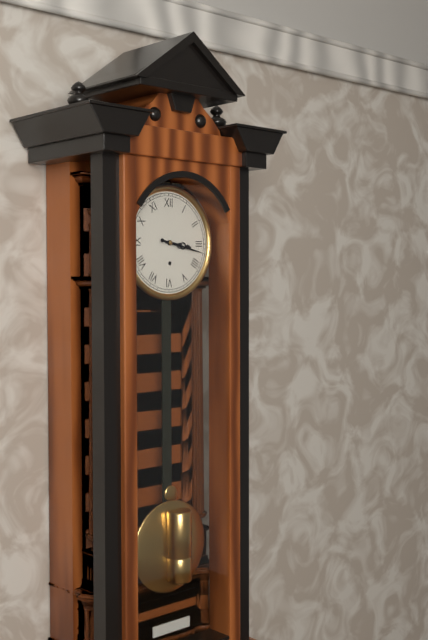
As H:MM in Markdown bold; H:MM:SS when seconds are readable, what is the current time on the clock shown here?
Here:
**3:17**
